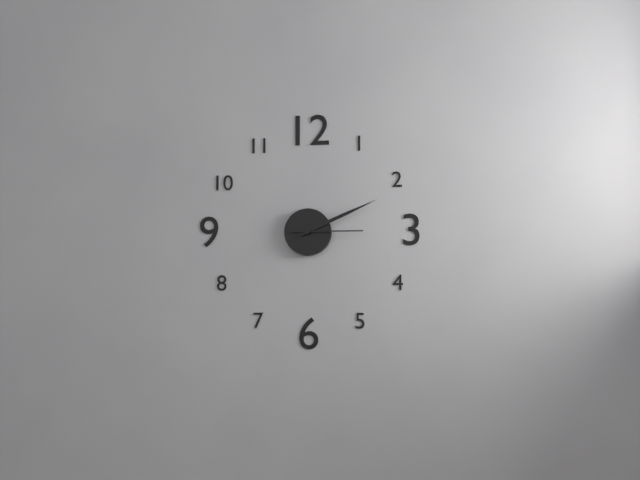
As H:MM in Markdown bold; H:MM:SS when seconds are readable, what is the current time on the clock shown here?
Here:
**2:11:15**
